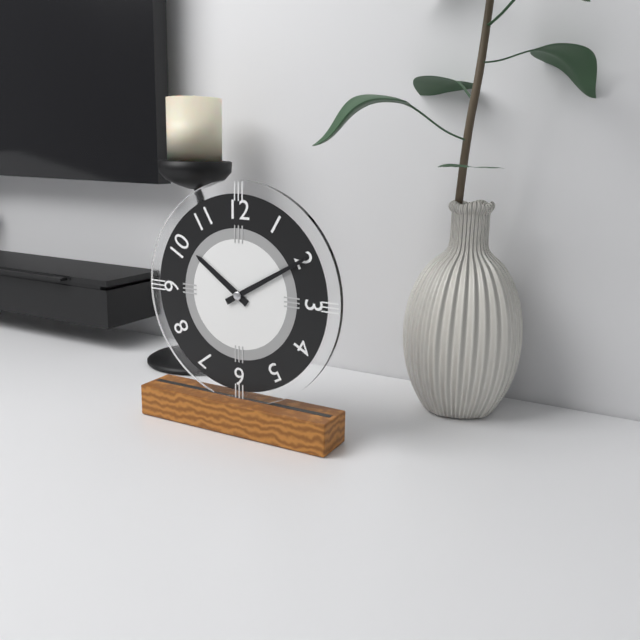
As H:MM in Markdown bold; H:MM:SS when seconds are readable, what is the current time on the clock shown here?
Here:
**10:10**
